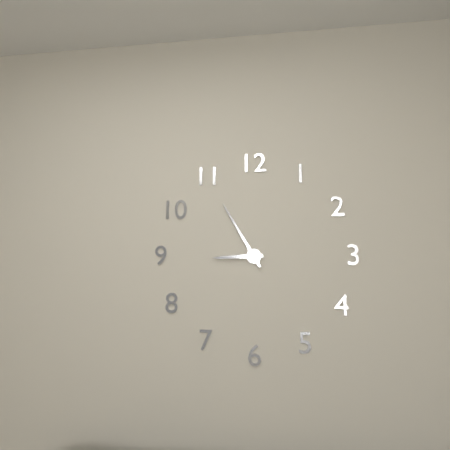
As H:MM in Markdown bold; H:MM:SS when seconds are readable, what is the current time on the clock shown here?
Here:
**8:55**
